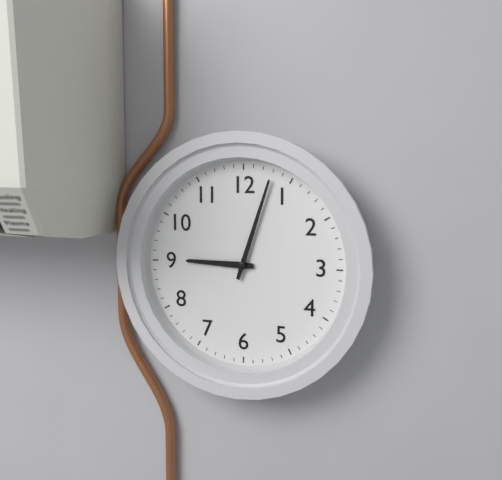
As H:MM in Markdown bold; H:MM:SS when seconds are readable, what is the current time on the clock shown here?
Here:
**9:03**
